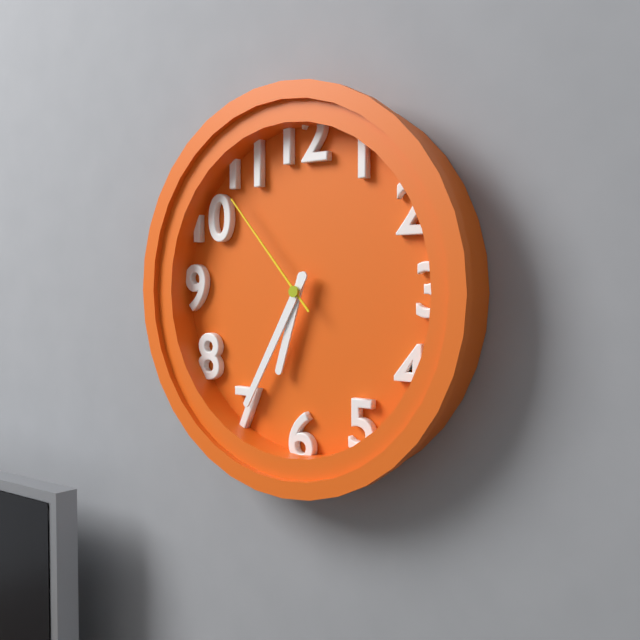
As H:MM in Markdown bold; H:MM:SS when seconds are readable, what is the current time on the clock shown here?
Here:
**6:35:53**
